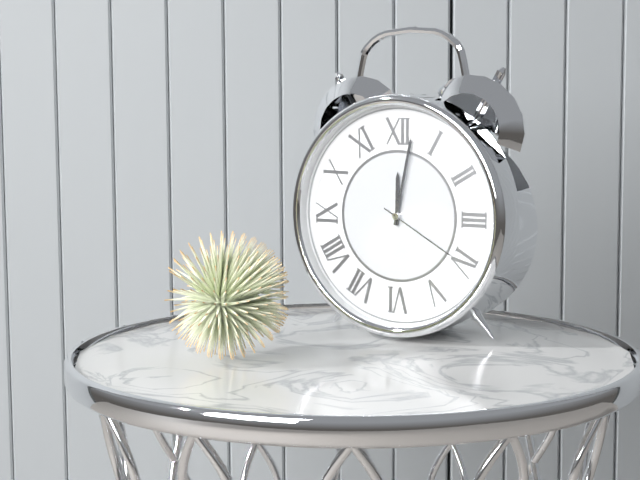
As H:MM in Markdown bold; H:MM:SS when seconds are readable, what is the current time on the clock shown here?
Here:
**12:02:20**
